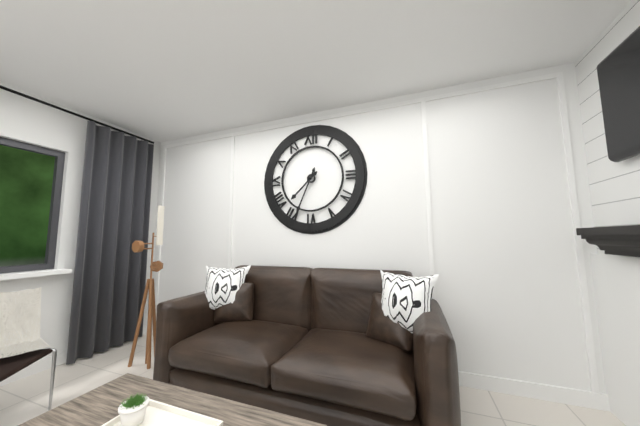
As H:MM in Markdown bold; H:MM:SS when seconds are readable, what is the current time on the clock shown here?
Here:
**7:34**
